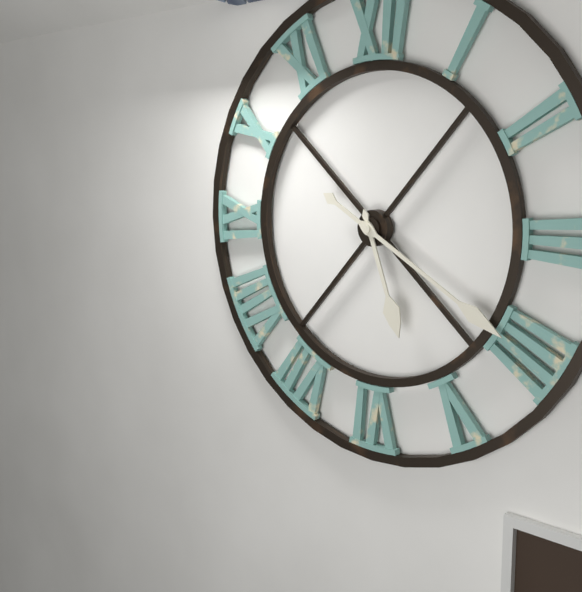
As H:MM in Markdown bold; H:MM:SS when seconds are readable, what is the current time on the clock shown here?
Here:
**5:20**
